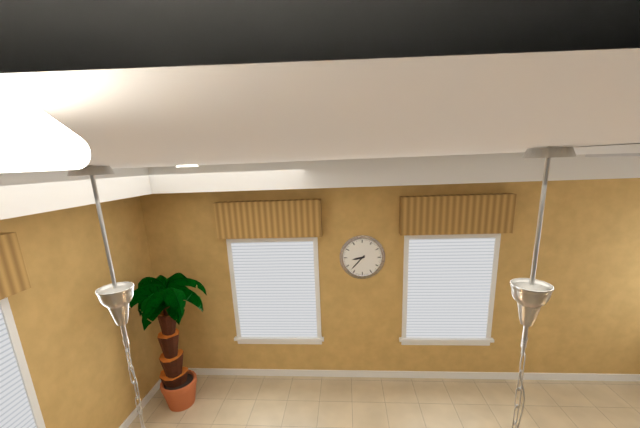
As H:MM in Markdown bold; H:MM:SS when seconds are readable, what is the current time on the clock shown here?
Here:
**8:37**
